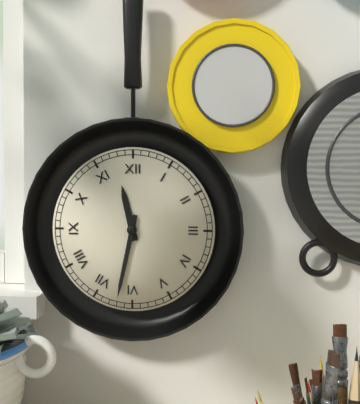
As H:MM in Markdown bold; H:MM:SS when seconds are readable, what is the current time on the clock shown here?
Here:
**11:32**
